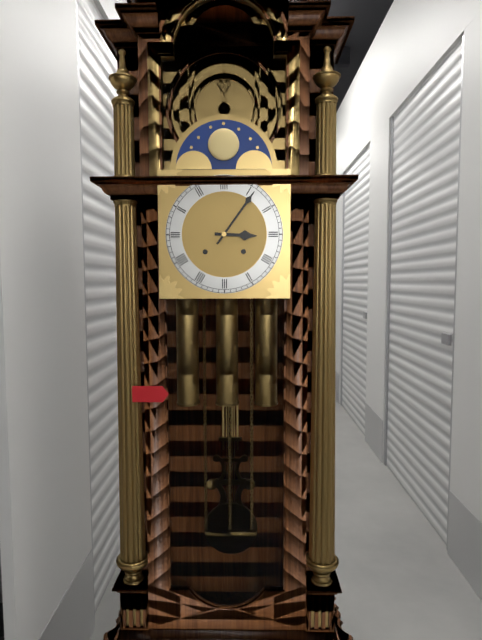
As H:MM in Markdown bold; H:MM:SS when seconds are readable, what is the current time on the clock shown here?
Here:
**3:06**
